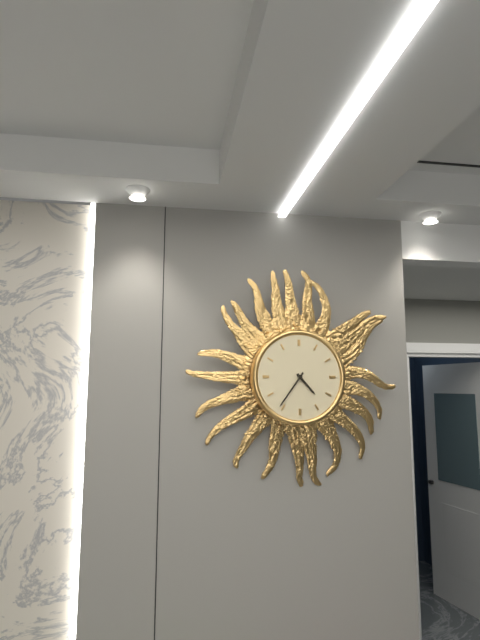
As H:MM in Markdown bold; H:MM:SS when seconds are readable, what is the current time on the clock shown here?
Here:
**4:36**
